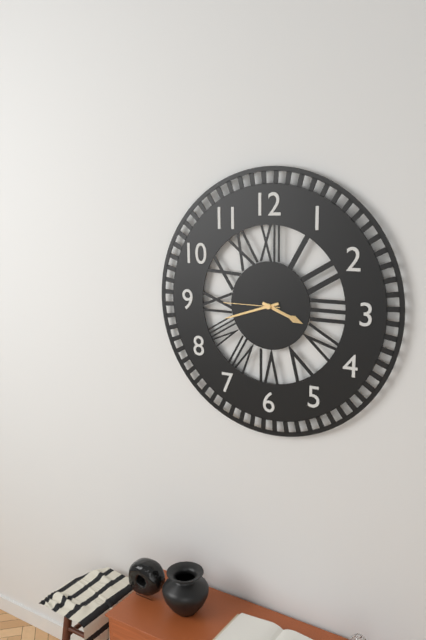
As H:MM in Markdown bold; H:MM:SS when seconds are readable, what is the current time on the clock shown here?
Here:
**3:42:45**
